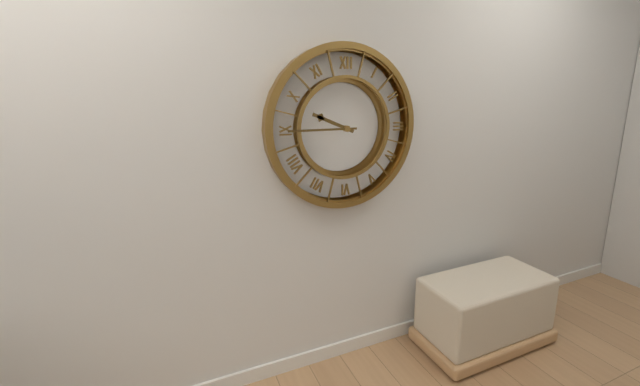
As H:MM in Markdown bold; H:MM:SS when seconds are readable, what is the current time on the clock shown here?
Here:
**9:45**
